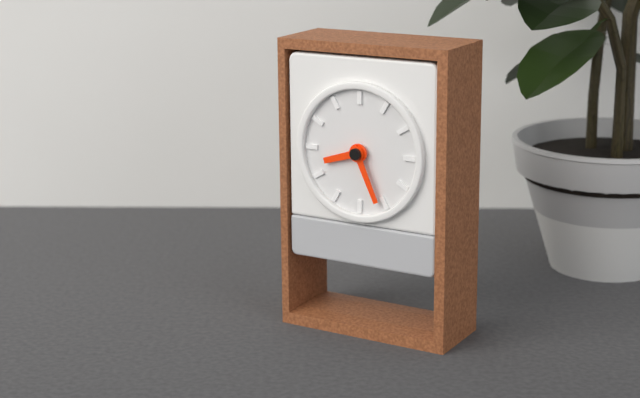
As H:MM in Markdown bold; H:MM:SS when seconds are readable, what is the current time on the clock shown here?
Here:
**8:26**
